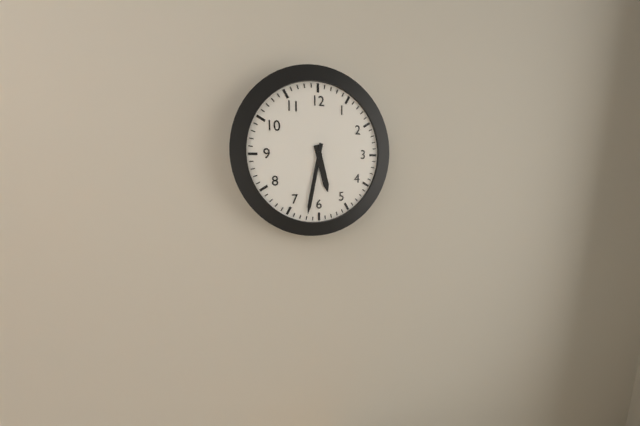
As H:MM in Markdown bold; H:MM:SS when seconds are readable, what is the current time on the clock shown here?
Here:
**5:32**
